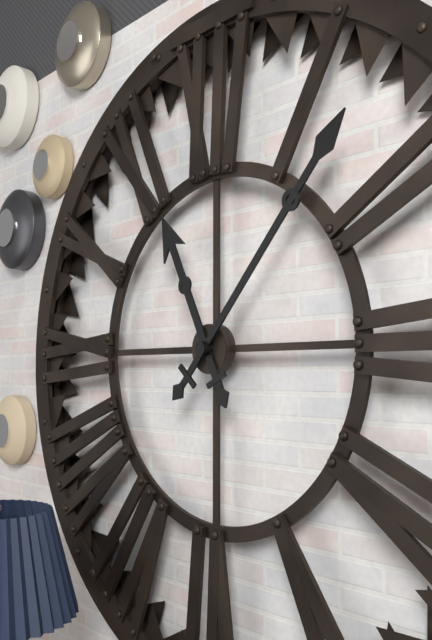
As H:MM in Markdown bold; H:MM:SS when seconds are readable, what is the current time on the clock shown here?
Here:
**11:07**
